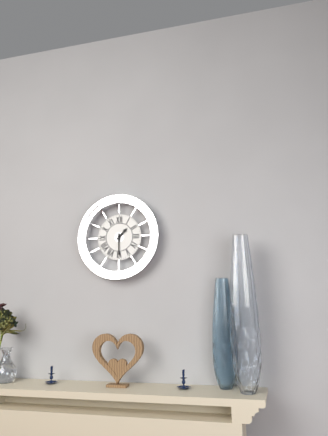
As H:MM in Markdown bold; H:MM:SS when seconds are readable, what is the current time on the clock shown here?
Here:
**1:30**
